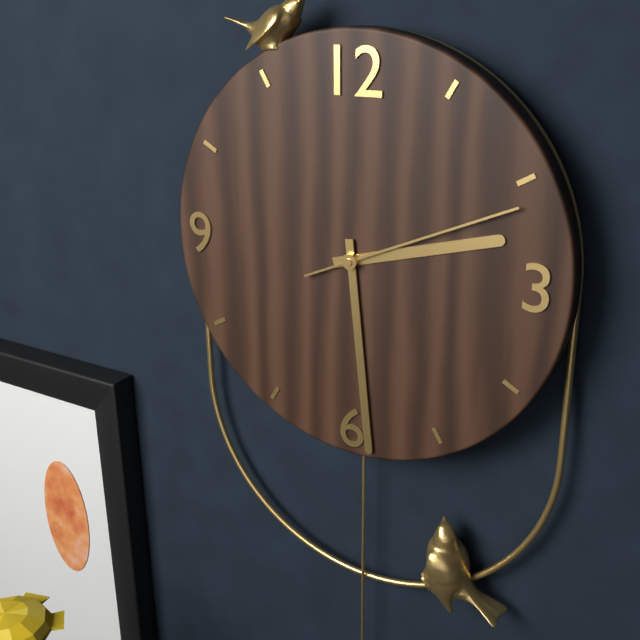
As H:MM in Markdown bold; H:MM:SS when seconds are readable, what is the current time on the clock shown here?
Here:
**2:29:11**
